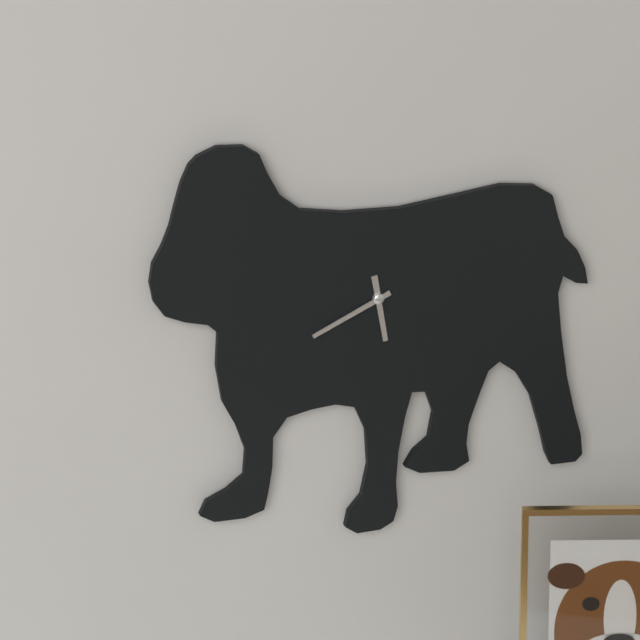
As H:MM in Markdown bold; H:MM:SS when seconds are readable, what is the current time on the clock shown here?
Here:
**5:41**
